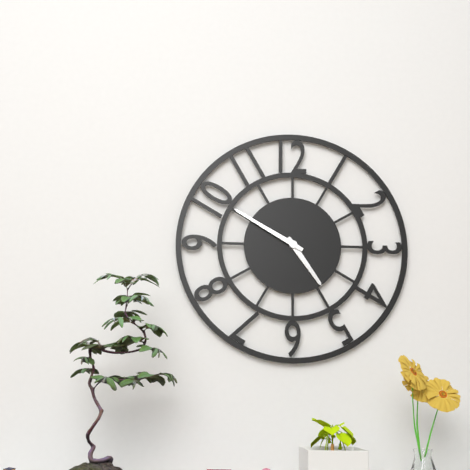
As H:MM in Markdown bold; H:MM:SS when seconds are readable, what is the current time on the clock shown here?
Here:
**4:50**
